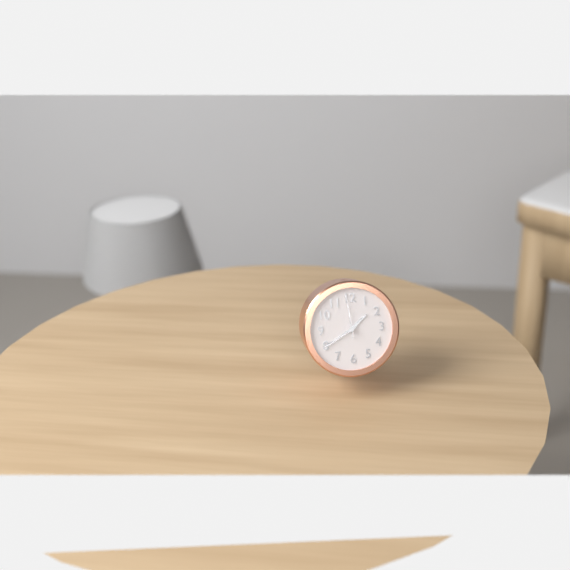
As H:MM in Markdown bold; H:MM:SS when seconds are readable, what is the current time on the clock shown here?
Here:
**1:40**
